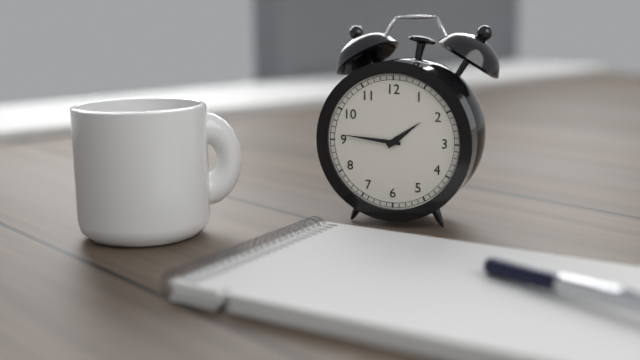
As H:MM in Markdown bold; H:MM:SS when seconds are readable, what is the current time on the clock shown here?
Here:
**1:46**
